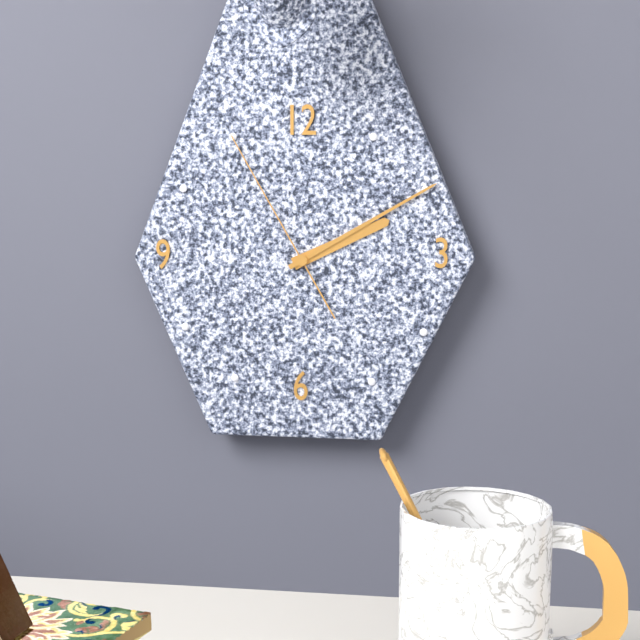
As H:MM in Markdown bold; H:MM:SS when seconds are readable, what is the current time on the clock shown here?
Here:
**2:10:55**
